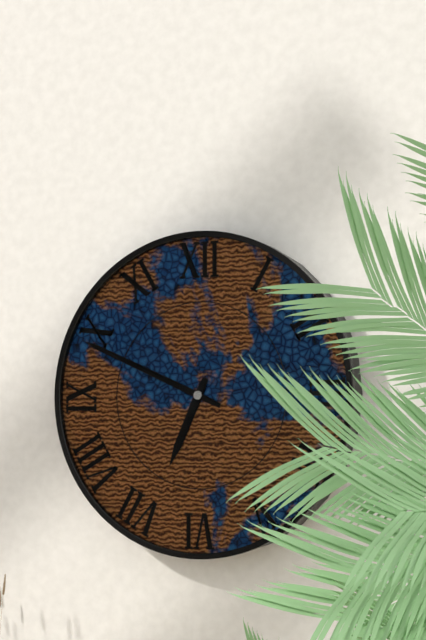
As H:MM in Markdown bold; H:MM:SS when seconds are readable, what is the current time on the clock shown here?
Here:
**6:49**
